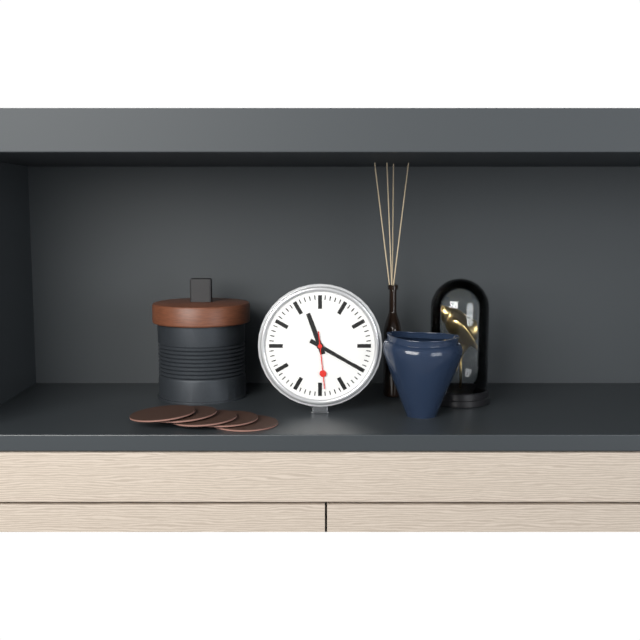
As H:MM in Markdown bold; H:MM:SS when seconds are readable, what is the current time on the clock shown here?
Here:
**11:20:29**
